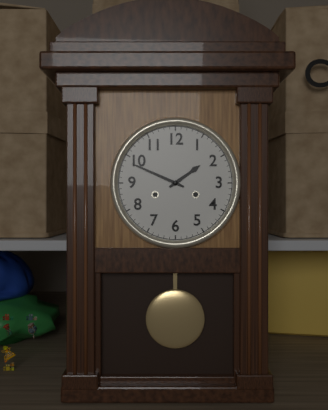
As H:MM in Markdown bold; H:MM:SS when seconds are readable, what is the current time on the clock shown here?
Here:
**1:49**
